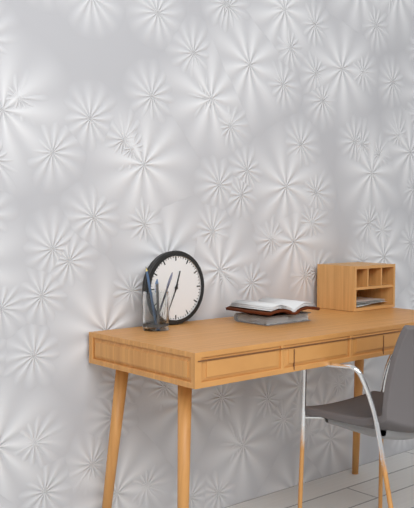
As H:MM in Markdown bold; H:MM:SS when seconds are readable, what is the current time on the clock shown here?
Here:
**12:34**
